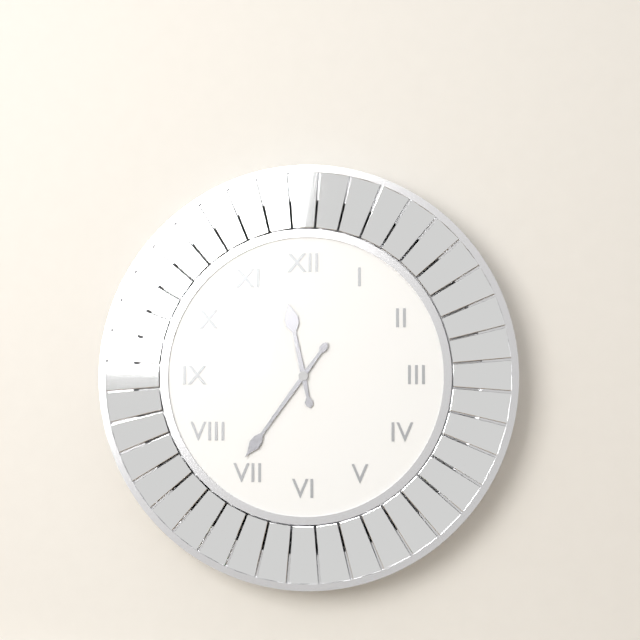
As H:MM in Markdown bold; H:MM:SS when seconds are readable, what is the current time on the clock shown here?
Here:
**11:36**
